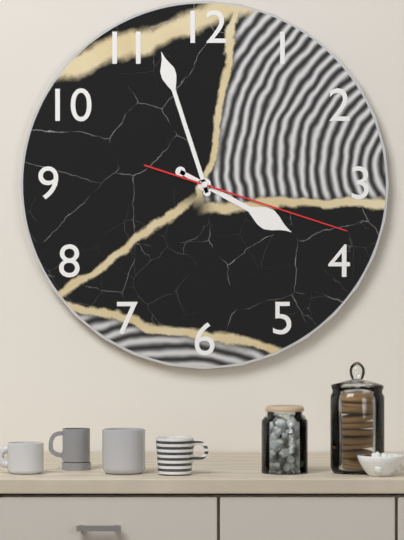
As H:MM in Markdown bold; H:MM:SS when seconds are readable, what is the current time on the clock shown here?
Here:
**3:57:18**
